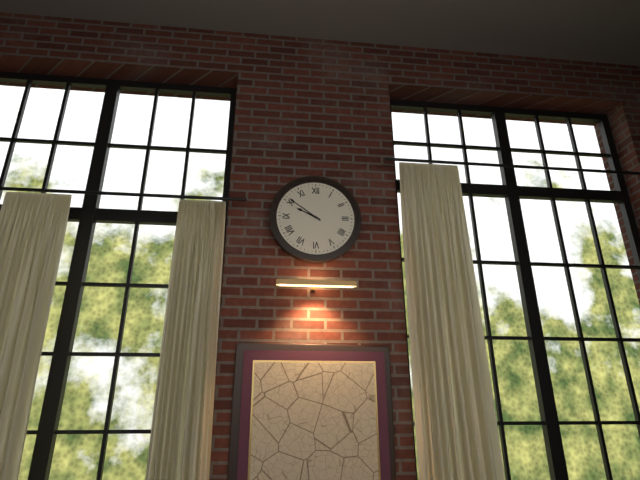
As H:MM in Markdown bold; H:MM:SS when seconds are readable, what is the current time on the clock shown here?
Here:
**9:51**
